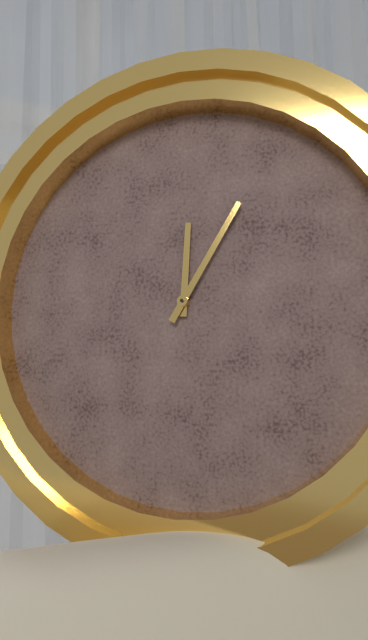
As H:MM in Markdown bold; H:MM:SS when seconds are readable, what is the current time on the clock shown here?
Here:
**12:05**
